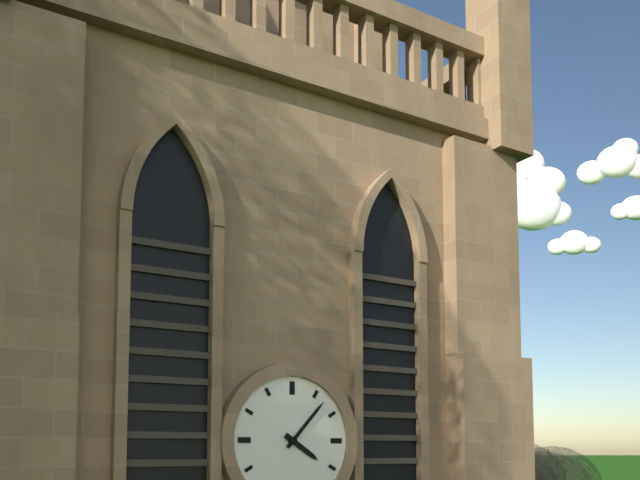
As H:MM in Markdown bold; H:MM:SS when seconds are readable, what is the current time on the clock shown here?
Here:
**4:07**
